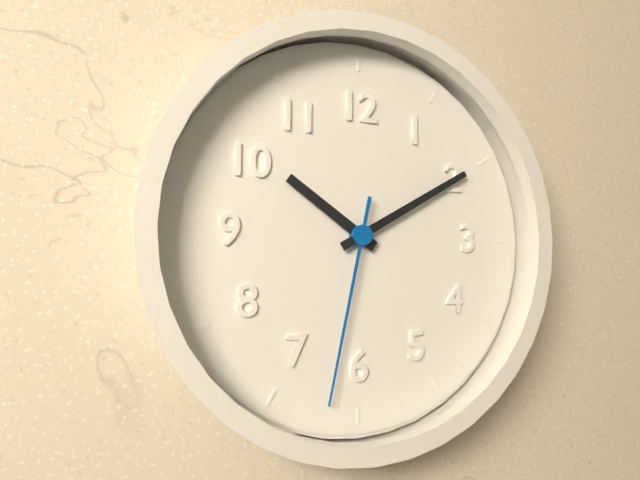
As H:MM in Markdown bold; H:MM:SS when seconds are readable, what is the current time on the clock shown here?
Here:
**10:10:32**
